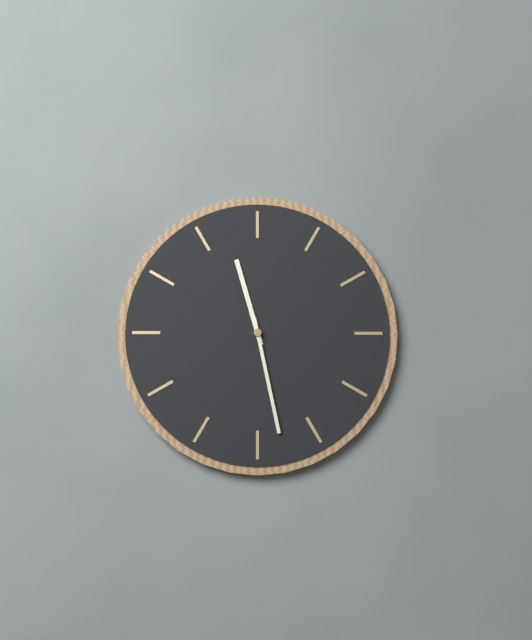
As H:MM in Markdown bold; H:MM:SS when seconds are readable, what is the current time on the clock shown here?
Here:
**11:28**
